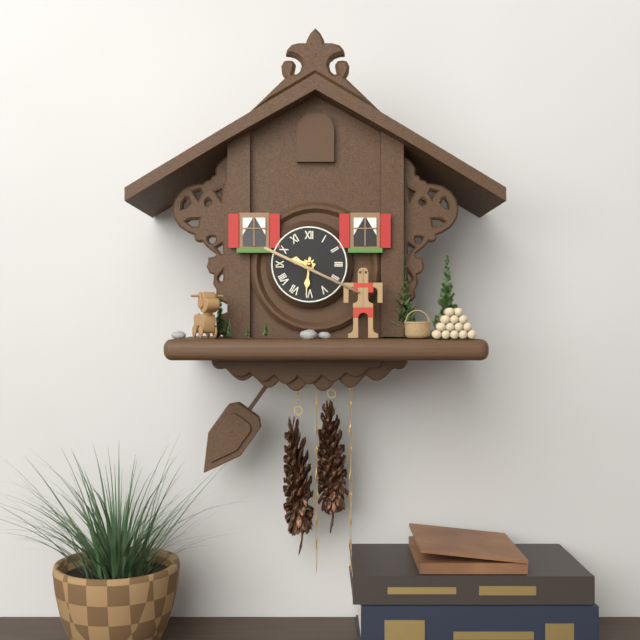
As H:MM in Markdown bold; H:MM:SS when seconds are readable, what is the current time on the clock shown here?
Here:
**9:31**
